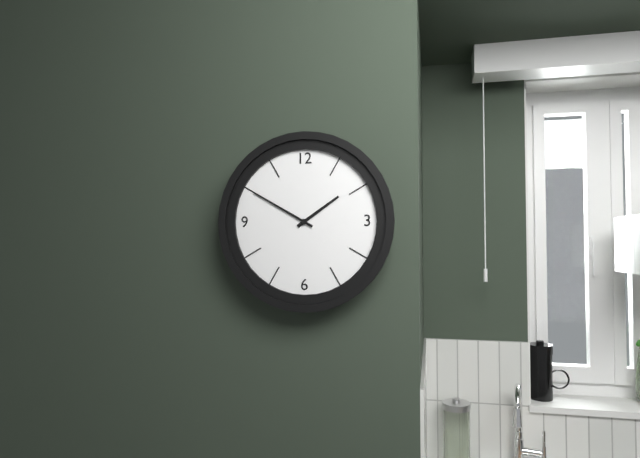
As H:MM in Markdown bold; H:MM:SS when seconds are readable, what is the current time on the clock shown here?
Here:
**1:50**
